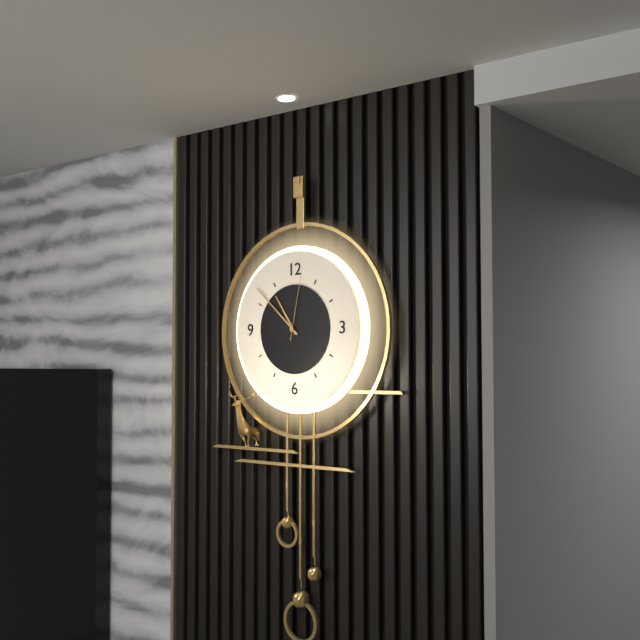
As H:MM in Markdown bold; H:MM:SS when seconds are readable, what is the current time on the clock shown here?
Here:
**10:52:02**
